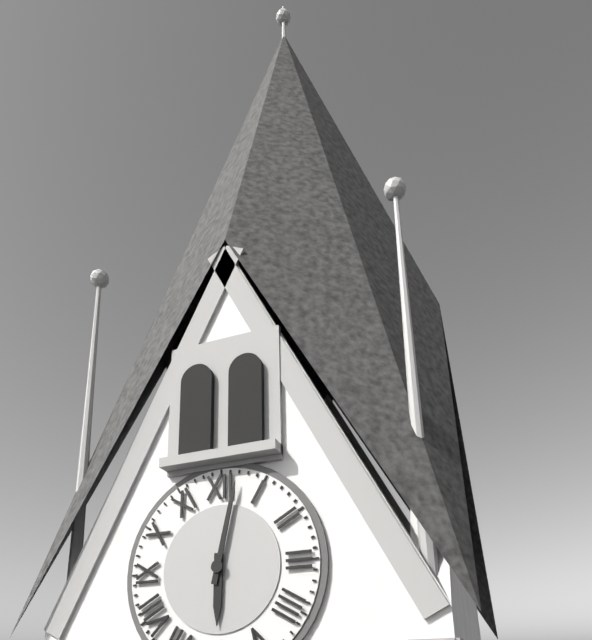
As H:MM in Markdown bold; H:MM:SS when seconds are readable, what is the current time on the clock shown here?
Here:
**6:02**
